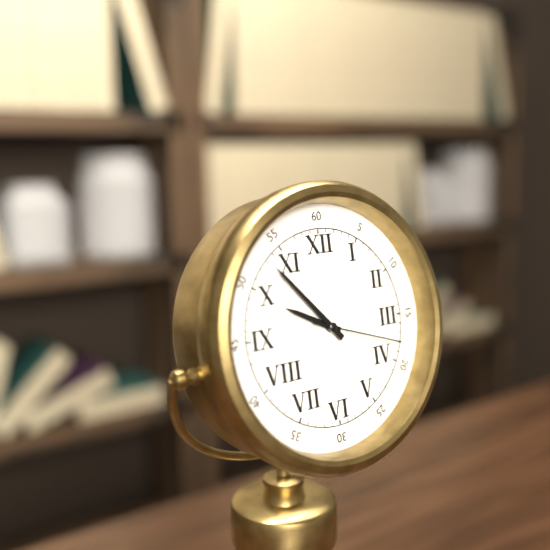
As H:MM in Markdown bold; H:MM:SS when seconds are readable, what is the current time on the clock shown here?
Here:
**9:53:18**
